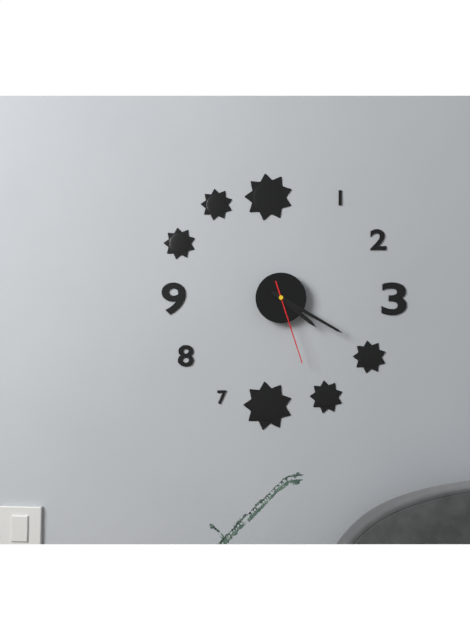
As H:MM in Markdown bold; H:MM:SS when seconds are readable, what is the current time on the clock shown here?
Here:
**4:20:27**
